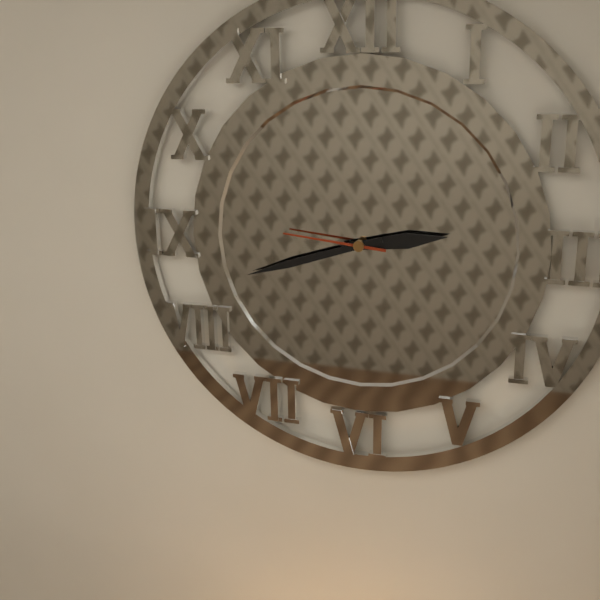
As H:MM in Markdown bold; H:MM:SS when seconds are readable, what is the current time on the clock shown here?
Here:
**2:42:46**
